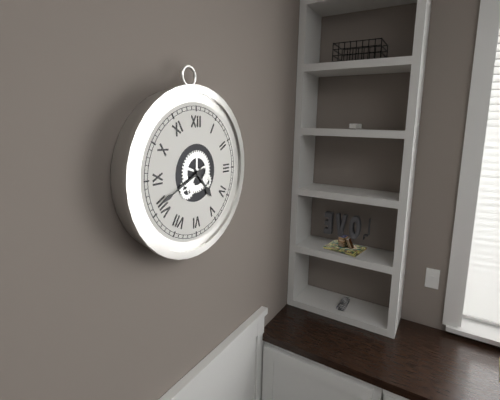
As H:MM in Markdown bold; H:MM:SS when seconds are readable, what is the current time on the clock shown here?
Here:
**4:41**
